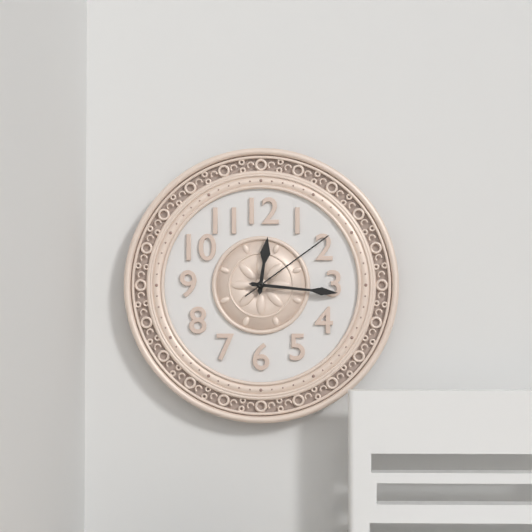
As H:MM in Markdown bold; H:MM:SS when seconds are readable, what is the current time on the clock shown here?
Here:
**12:16:09**
